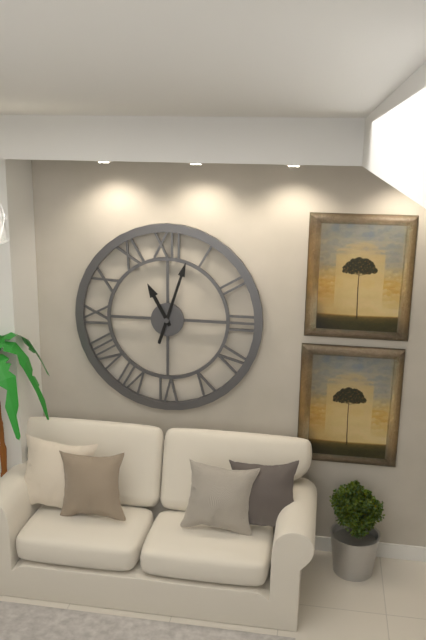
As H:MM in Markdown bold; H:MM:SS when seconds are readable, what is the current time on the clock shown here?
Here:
**11:03**
